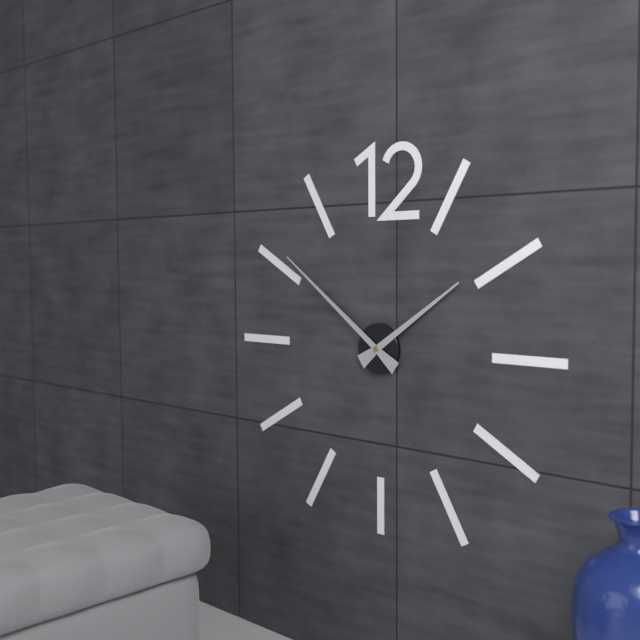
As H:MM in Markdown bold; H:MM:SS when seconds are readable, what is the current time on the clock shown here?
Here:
**1:51**
